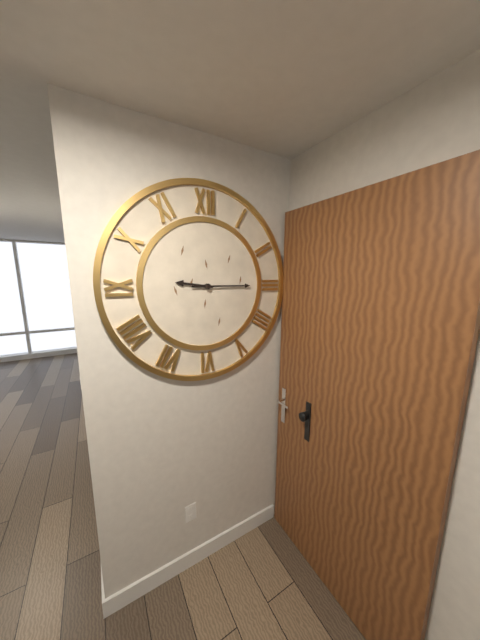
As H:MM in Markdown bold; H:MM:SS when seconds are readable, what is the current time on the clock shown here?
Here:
**9:15**
